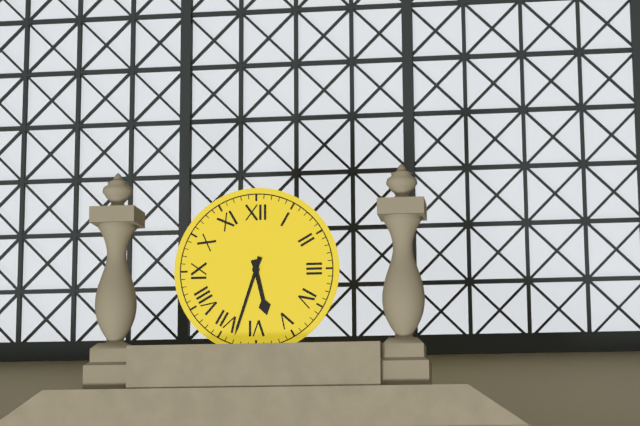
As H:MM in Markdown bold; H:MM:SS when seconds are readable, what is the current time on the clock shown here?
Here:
**5:33**
